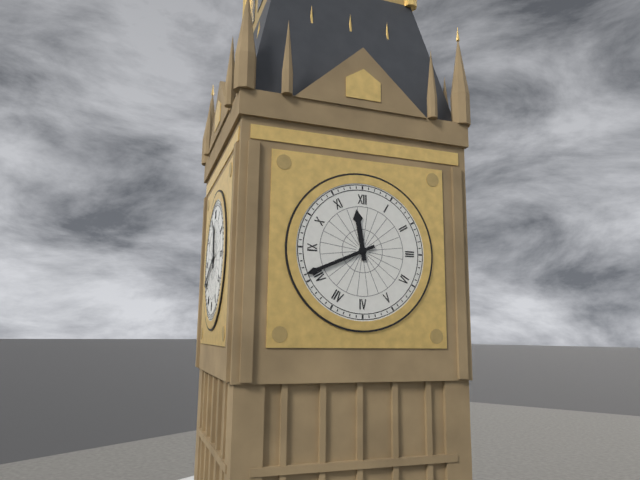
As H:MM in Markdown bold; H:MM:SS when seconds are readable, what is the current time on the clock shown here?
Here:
**11:41**
